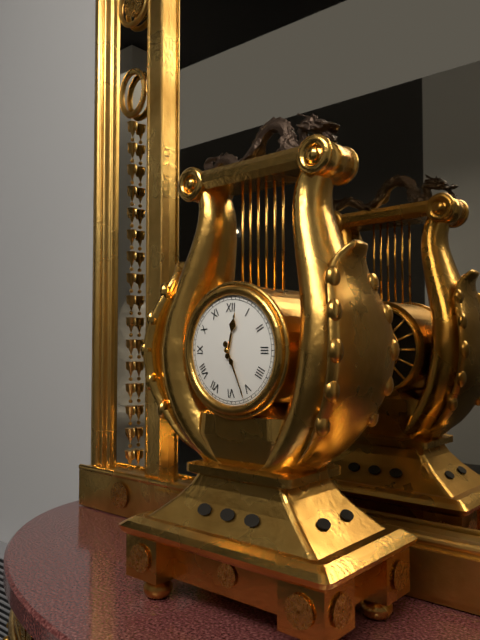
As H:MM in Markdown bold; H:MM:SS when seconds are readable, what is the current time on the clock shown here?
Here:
**12:26**
